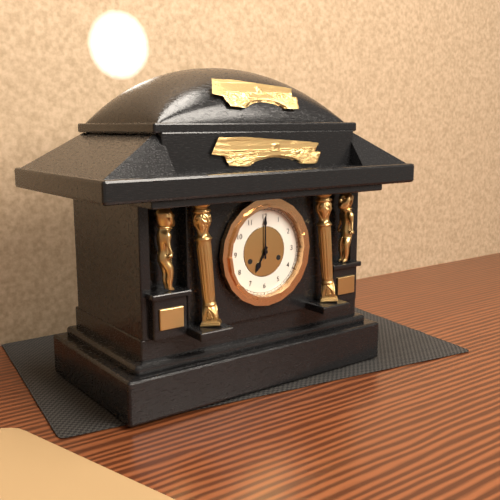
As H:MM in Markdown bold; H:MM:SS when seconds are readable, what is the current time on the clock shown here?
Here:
**7:00**
